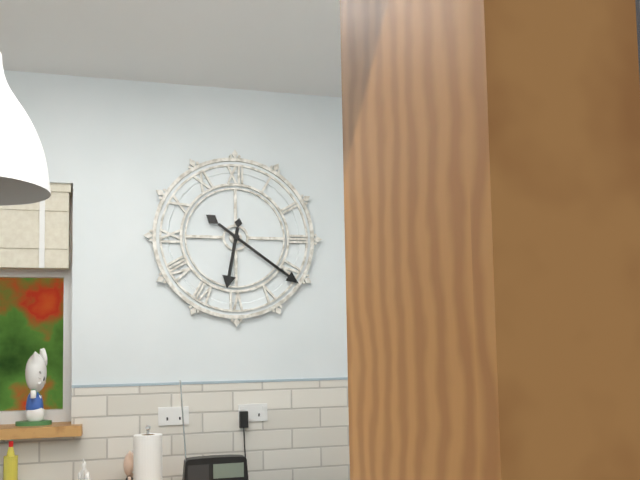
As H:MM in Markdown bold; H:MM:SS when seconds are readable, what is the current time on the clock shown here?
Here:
**6:21**
